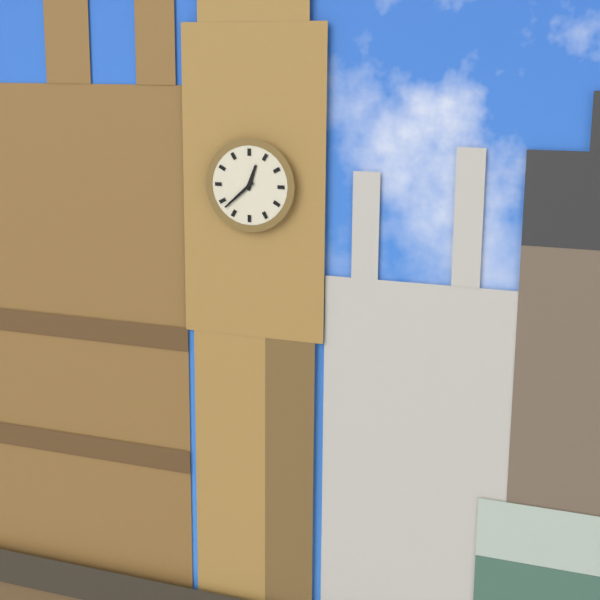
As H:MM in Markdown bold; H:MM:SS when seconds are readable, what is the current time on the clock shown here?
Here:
**12:38**
